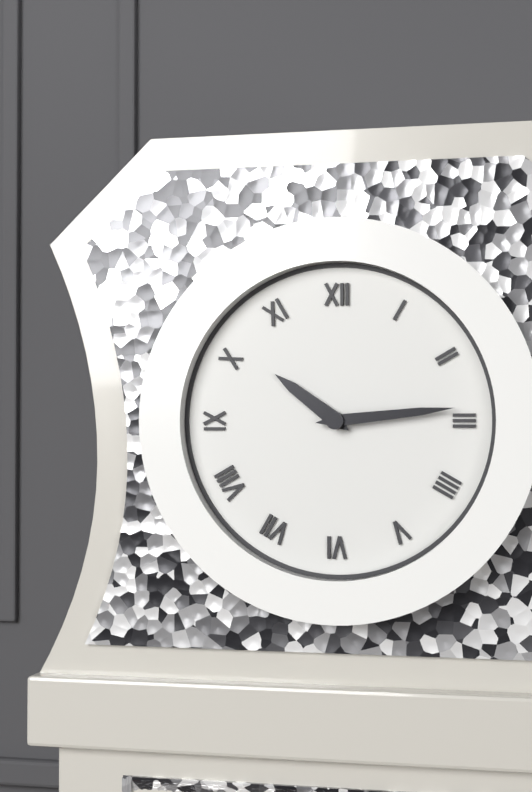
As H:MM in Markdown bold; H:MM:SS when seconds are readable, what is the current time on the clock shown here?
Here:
**10:14**
